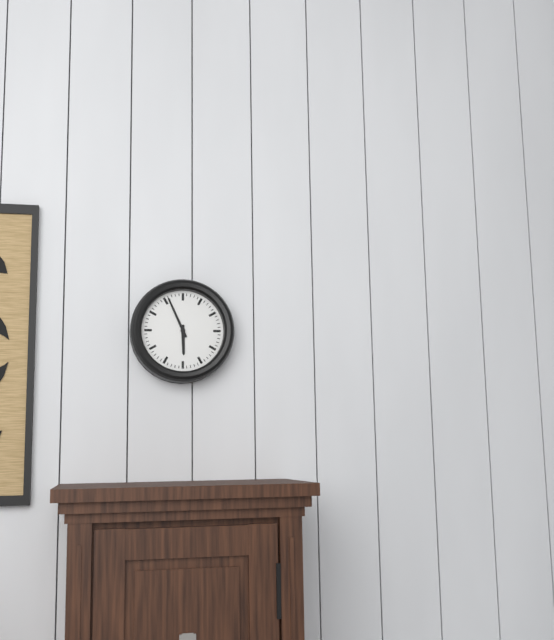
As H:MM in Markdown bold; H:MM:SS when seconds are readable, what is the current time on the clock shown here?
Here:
**5:56**
